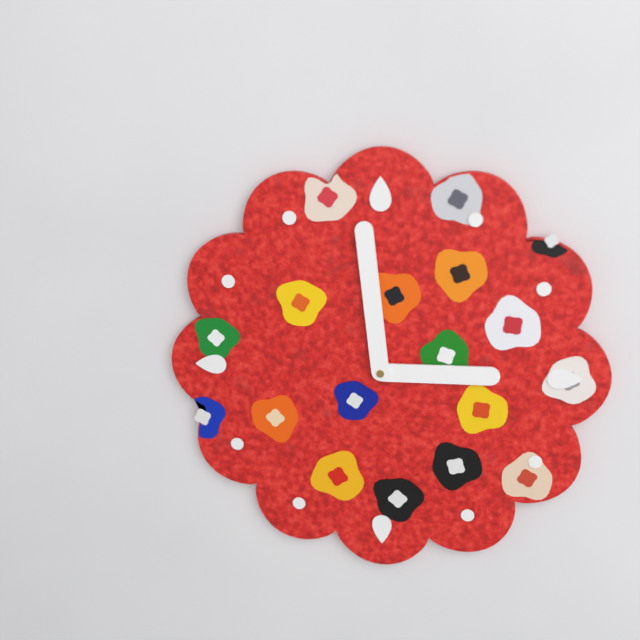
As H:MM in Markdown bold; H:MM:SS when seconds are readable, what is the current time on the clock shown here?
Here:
**2:59**
